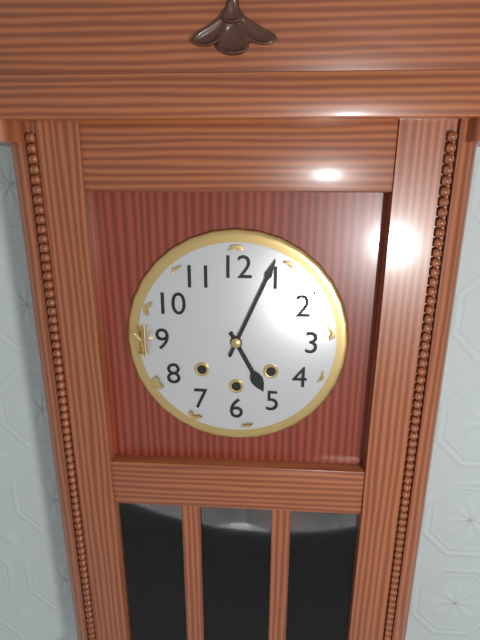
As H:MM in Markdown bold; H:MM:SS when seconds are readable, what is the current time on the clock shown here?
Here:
**5:04**
